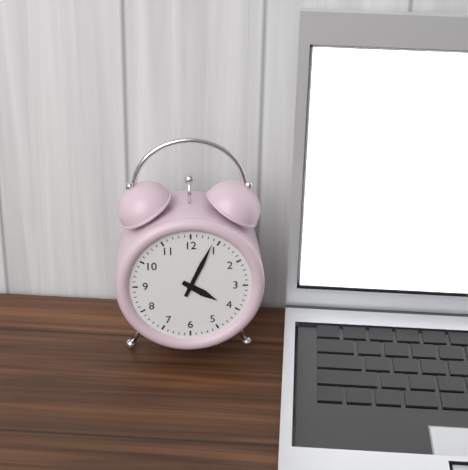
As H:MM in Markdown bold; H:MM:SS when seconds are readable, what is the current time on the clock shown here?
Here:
**4:04**
